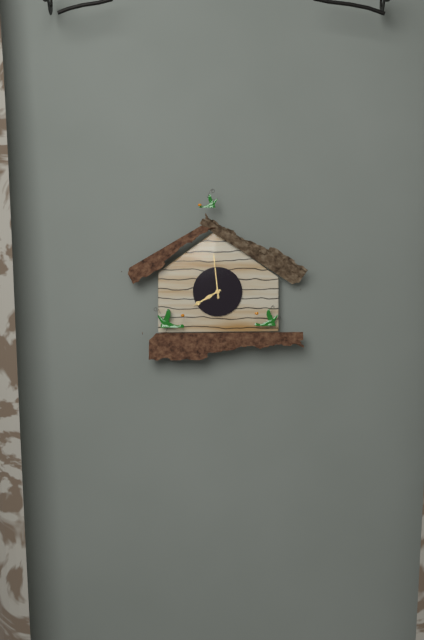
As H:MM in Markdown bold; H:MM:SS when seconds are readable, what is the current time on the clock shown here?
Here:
**7:59**
